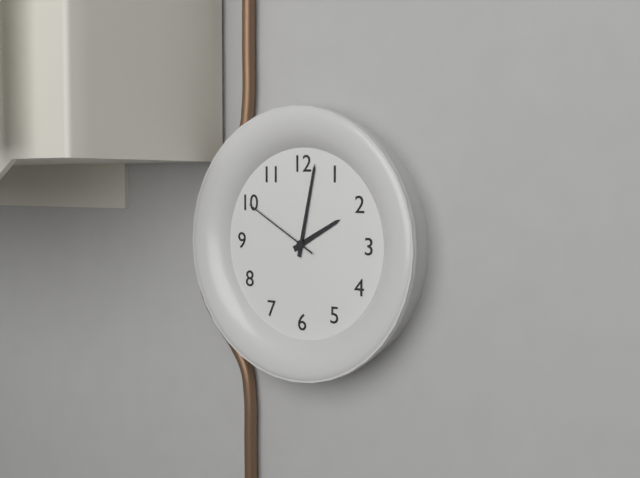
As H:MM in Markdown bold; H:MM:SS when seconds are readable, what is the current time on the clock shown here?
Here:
**2:02:50**
